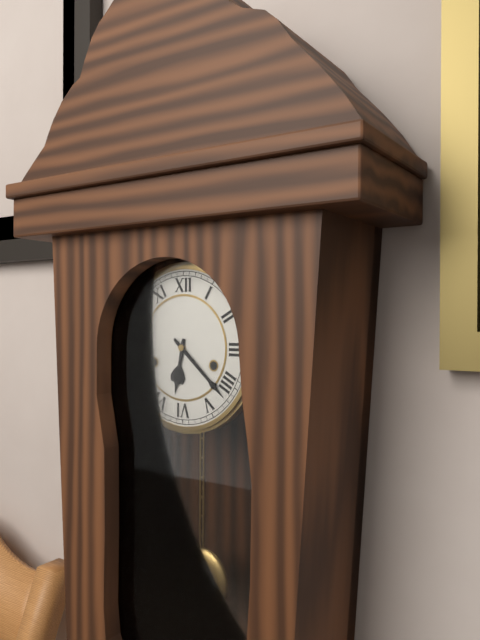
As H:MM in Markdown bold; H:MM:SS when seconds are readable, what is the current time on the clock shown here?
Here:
**6:22**
